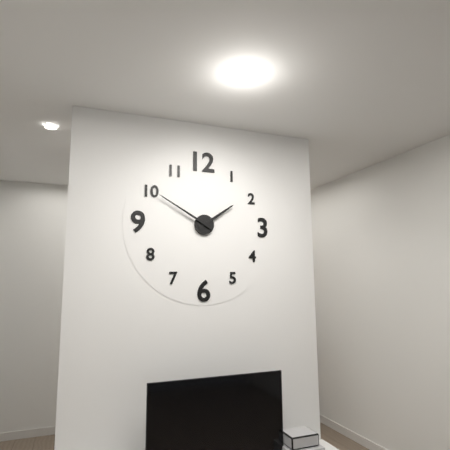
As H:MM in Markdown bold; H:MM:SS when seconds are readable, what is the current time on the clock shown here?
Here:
**1:50**
